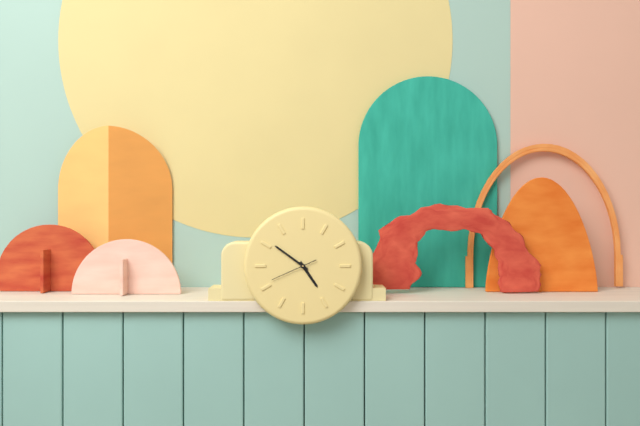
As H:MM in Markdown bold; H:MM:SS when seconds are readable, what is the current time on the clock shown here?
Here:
**4:51**
